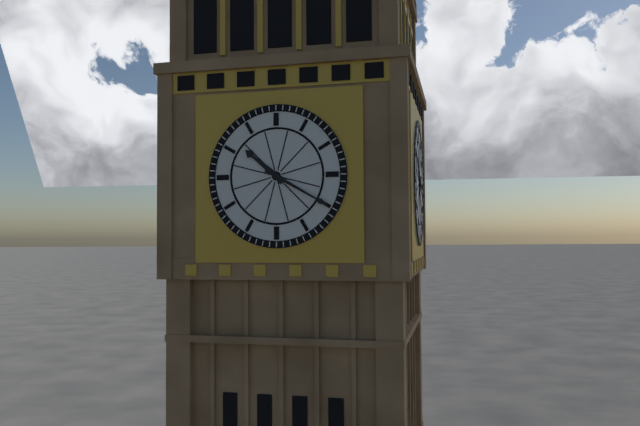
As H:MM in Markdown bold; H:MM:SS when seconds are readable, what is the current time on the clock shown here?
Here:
**10:20**
